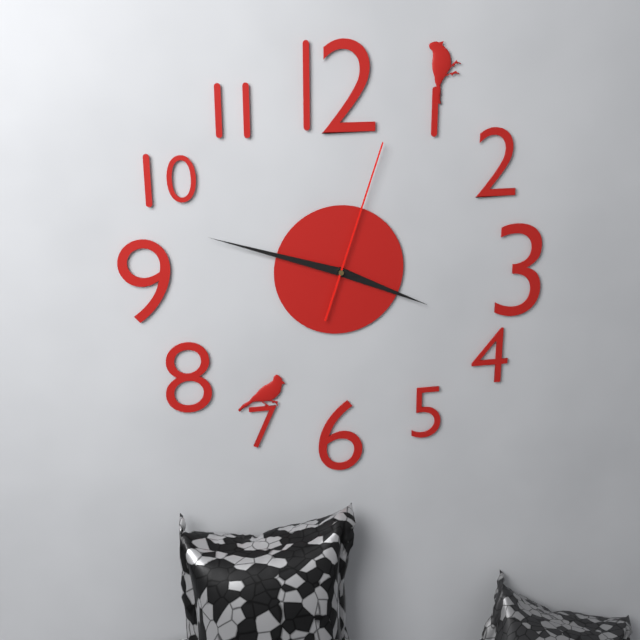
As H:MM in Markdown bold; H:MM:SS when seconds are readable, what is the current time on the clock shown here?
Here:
**3:48:03**
